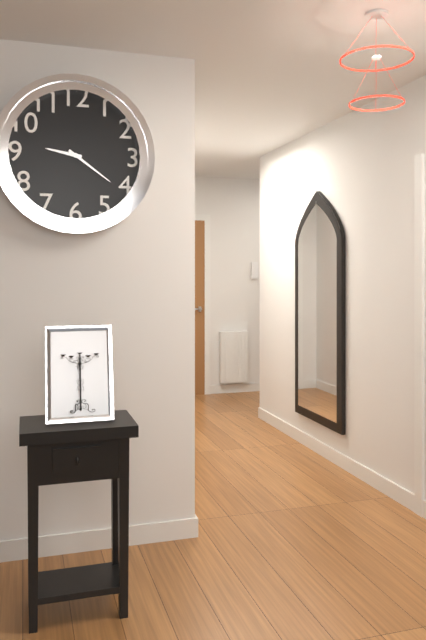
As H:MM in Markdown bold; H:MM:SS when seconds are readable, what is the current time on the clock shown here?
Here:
**9:21**
